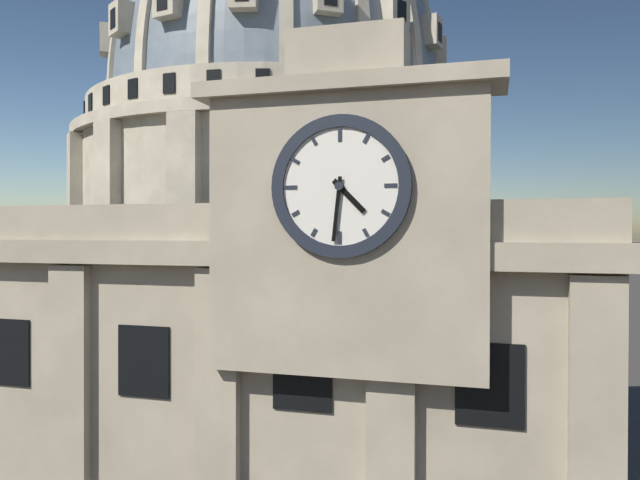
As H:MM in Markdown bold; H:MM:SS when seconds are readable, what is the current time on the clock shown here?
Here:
**4:31**
